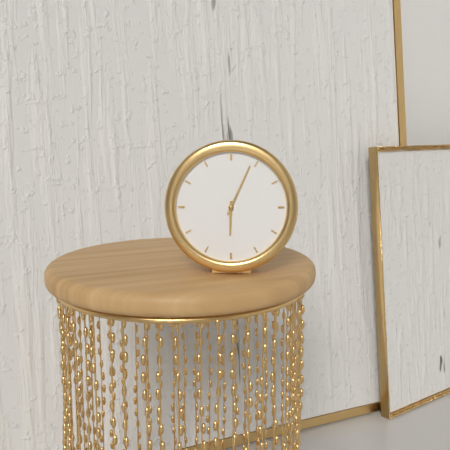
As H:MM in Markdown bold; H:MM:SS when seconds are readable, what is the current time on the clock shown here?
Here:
**6:04**
